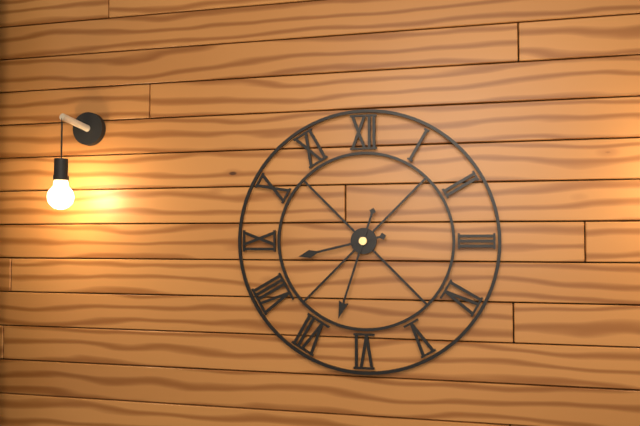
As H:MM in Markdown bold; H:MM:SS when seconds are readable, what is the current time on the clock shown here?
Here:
**8:33**
